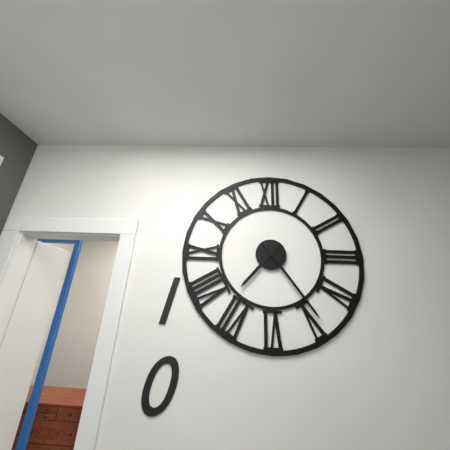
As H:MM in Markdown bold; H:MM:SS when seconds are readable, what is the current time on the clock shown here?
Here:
**7:24**
